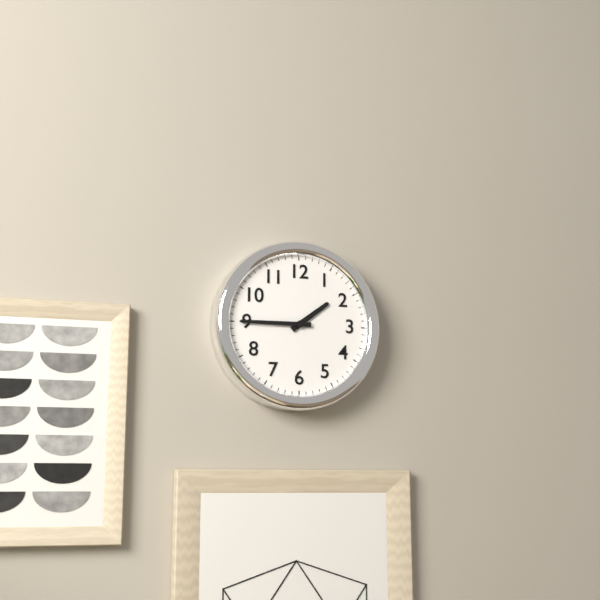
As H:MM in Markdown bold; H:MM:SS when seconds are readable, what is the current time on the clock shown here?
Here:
**1:45**
